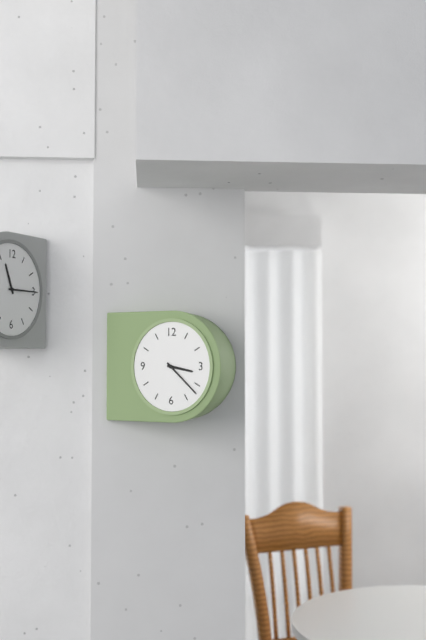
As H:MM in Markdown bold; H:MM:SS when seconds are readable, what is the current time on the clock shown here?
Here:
**3:22**
